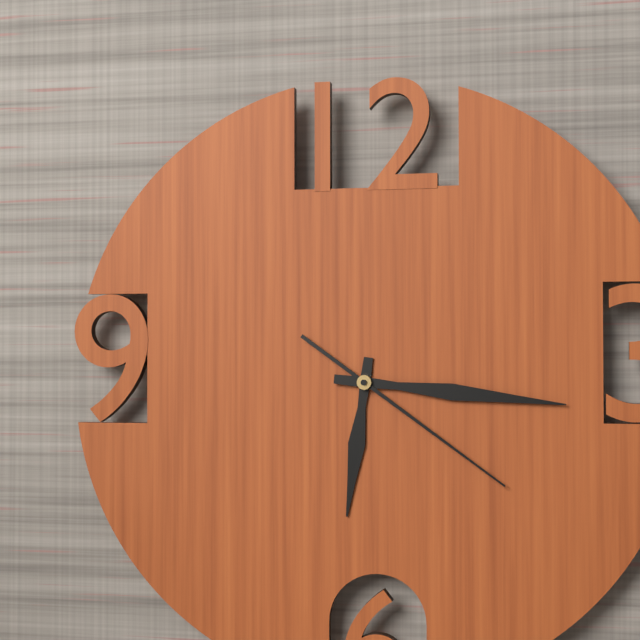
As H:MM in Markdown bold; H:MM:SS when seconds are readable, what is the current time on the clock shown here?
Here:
**6:16:21**
